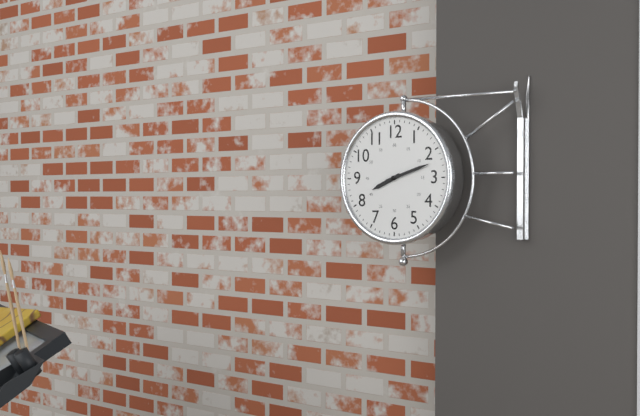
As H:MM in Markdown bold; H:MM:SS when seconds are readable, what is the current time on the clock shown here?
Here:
**8:12**
